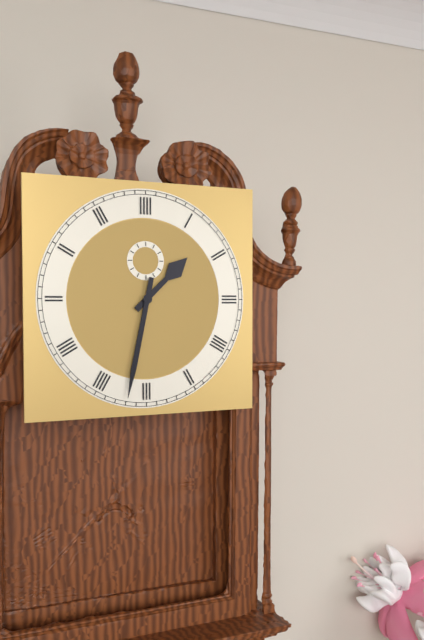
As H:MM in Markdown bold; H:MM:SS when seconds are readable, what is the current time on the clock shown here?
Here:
**1:32**
